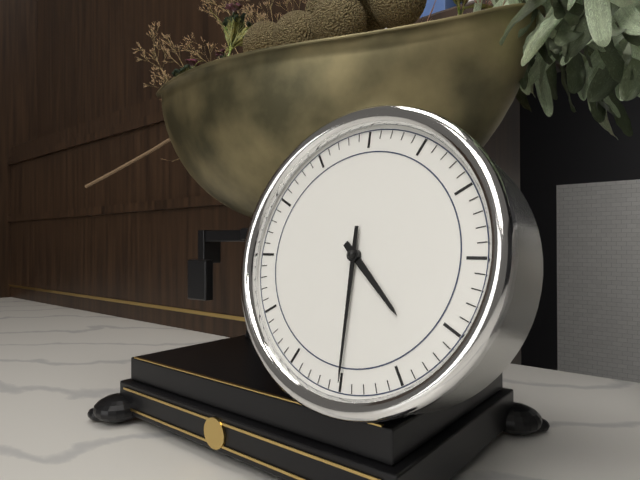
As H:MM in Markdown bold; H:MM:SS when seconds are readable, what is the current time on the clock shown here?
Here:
**4:30**
